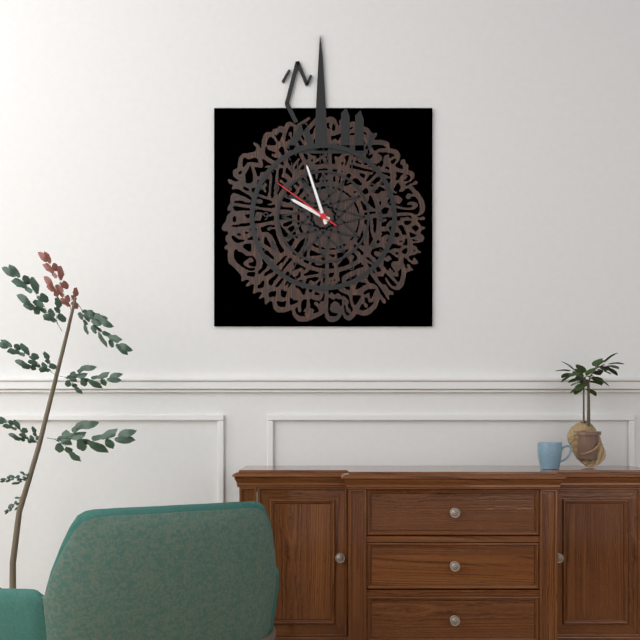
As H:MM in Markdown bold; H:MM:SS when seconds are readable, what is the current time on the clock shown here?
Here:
**9:57:51**
